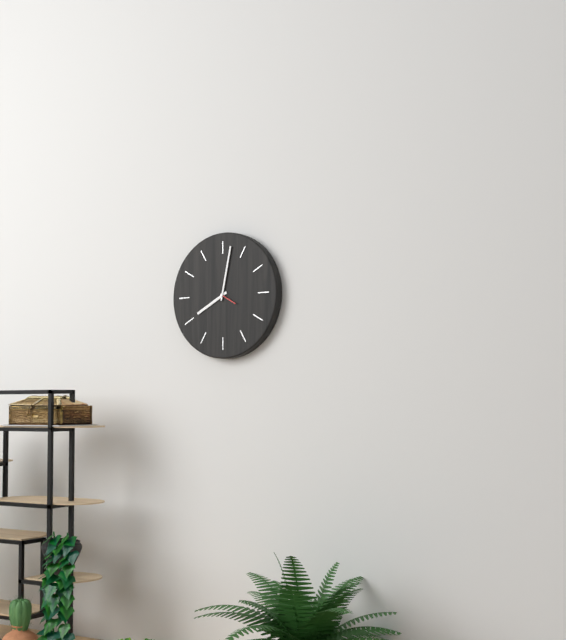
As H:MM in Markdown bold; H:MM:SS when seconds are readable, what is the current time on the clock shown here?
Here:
**8:02**
